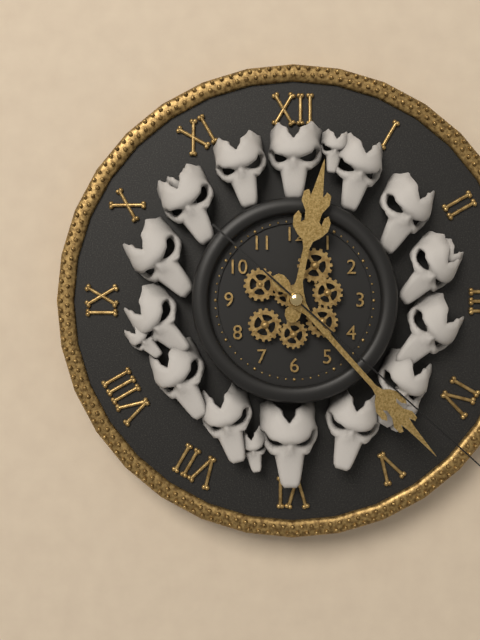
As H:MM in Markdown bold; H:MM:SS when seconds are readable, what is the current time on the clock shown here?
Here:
**12:23**
